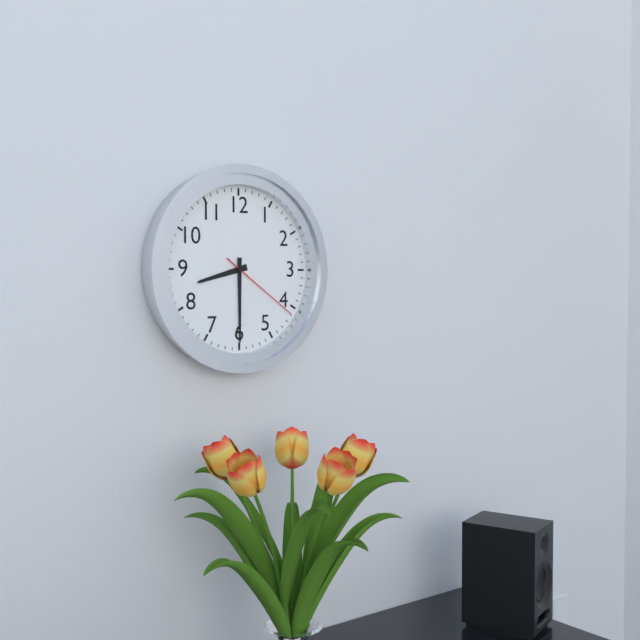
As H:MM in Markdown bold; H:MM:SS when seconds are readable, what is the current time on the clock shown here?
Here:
**8:30:21**
